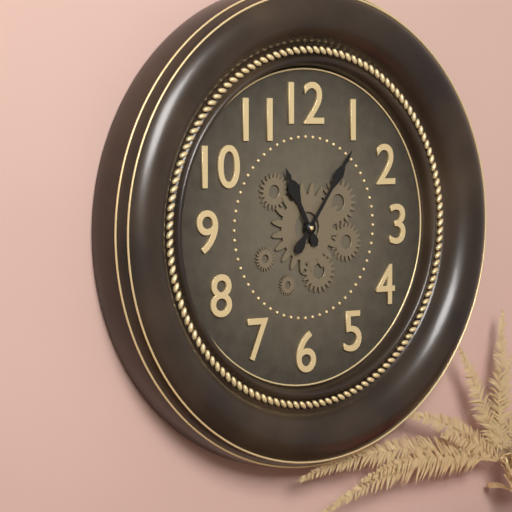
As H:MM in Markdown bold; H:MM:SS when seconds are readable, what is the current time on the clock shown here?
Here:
**11:06**
